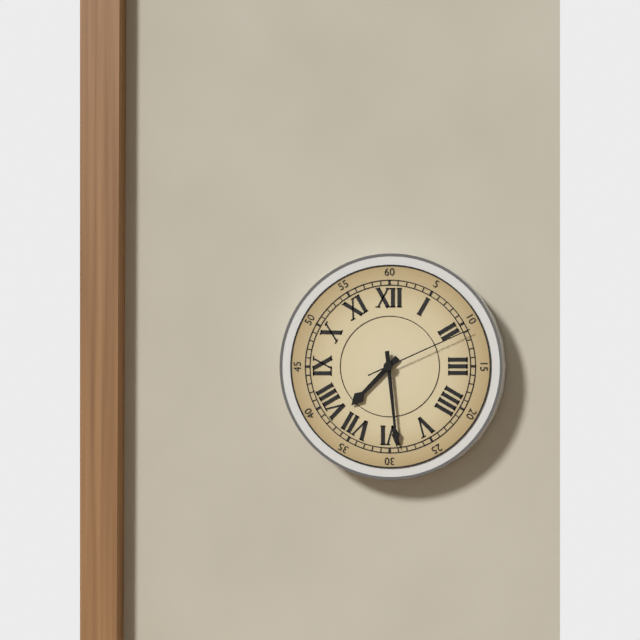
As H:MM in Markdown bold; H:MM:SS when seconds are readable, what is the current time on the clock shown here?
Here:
**7:29:11**
